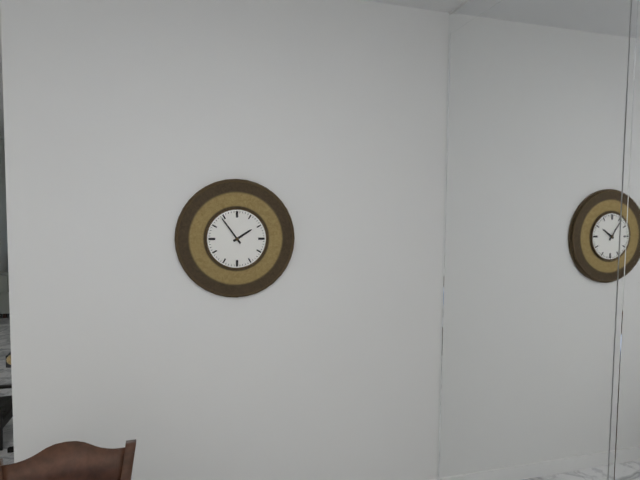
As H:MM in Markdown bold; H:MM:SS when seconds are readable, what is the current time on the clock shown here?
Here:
**1:54**
